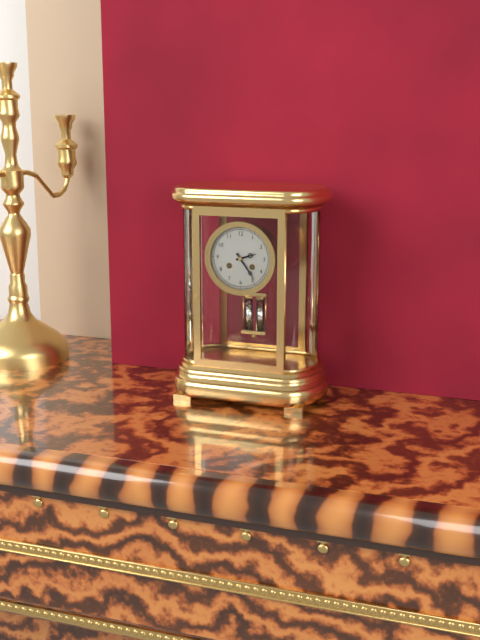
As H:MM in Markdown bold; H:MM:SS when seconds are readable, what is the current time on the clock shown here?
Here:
**2:24**
